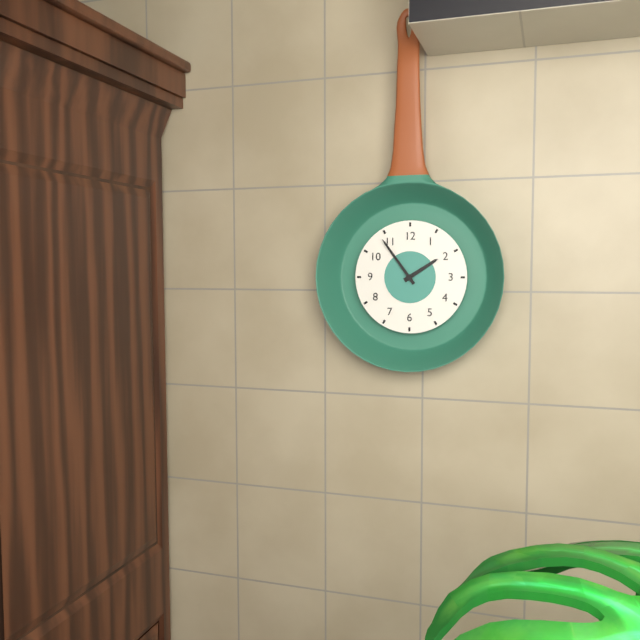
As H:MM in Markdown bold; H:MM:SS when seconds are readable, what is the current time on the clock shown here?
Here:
**1:54**
